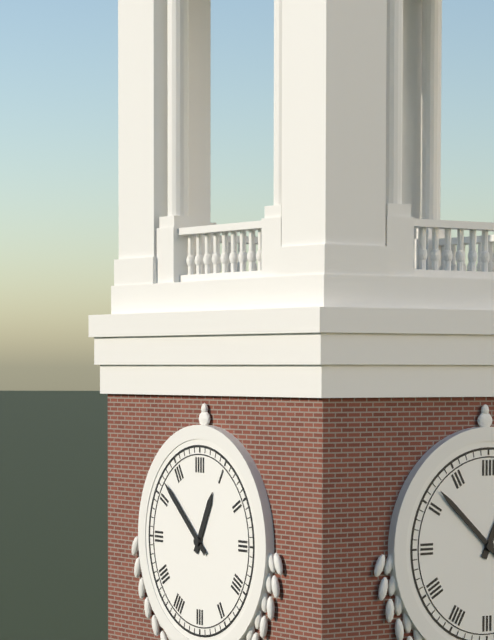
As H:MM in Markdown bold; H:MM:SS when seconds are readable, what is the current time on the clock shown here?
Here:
**12:52**
